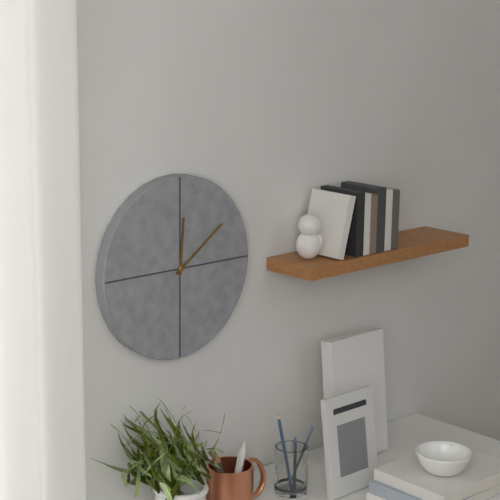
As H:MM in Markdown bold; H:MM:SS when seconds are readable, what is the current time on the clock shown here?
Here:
**12:09**
